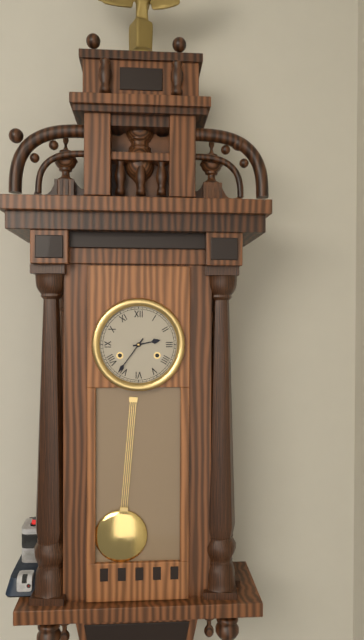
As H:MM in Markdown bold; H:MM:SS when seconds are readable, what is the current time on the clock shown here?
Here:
**2:36**
